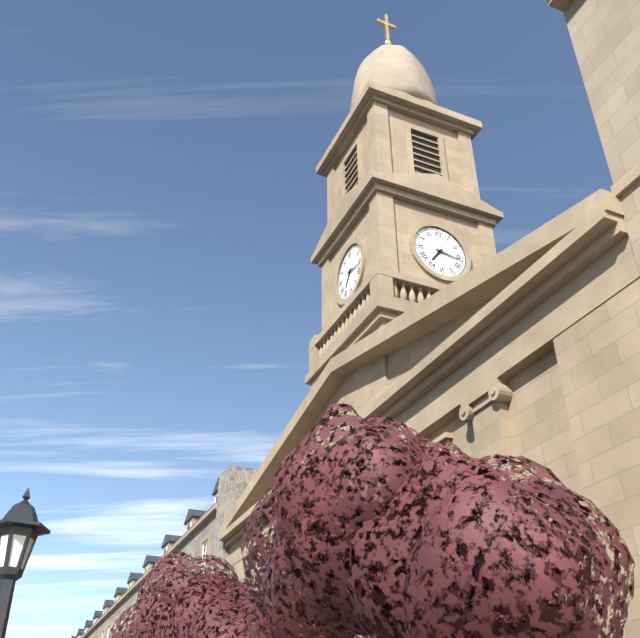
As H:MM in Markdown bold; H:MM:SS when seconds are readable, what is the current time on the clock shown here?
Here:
**7:17**
